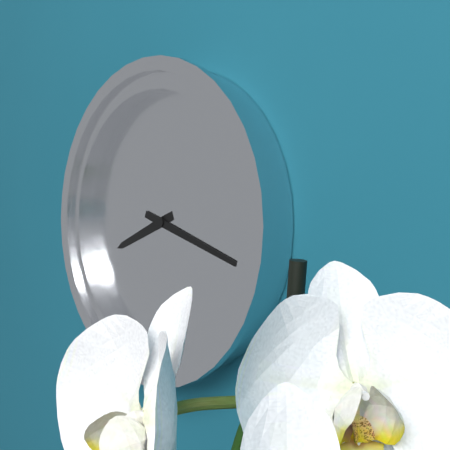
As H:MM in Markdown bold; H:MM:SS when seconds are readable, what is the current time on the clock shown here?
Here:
**8:18**
